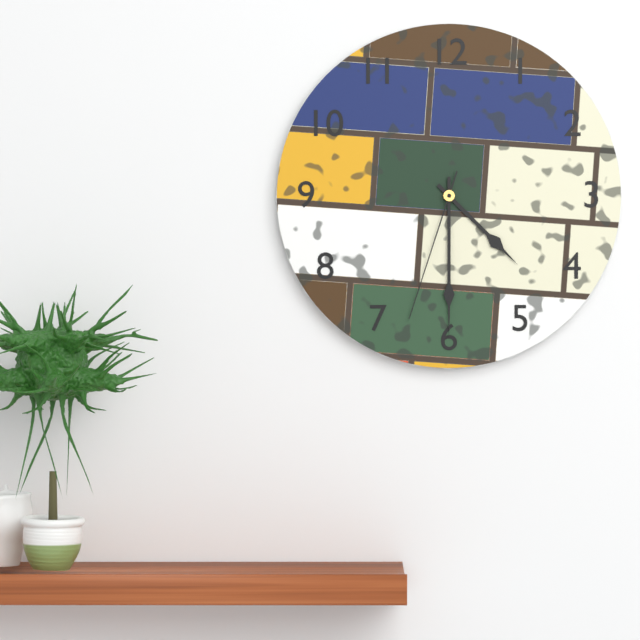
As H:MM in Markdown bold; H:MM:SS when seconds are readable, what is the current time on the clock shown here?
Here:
**4:30:33**
